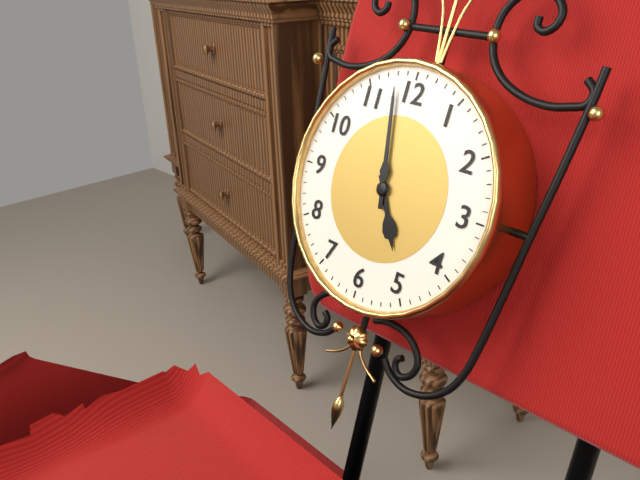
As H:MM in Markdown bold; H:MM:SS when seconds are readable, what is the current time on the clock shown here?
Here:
**4:58**
